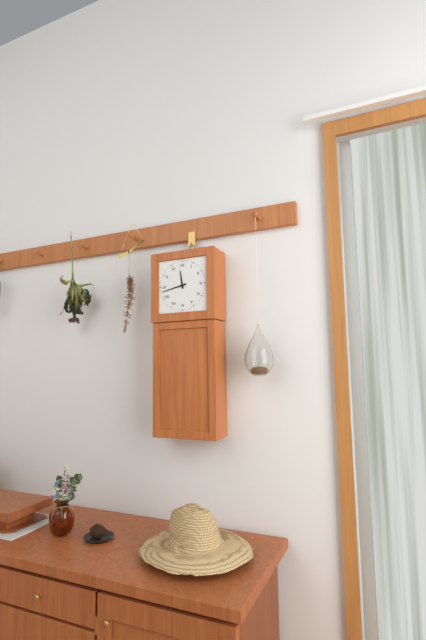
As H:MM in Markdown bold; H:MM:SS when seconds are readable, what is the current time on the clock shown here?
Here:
**11:43**
